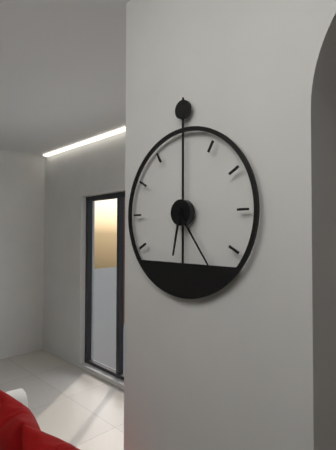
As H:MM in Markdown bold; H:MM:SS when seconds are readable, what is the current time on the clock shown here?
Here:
**6:24**
